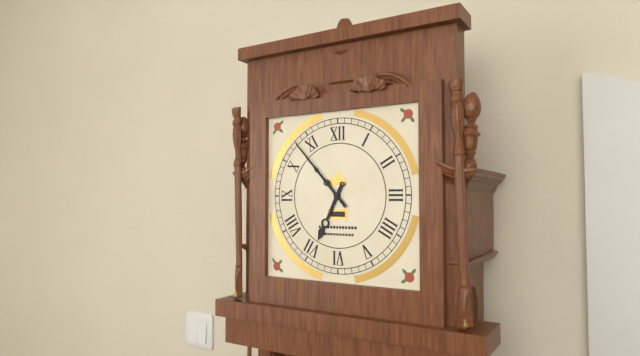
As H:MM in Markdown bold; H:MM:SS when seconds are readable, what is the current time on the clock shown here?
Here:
**6:53**
